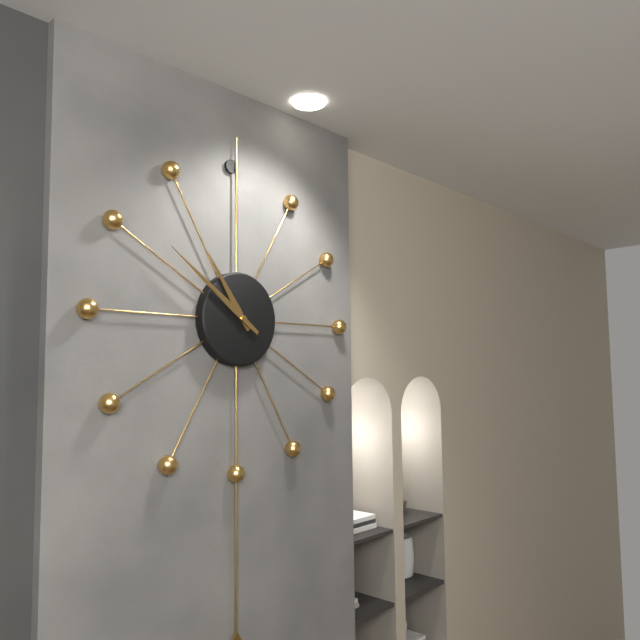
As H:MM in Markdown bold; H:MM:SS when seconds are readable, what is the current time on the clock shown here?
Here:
**10:51**
